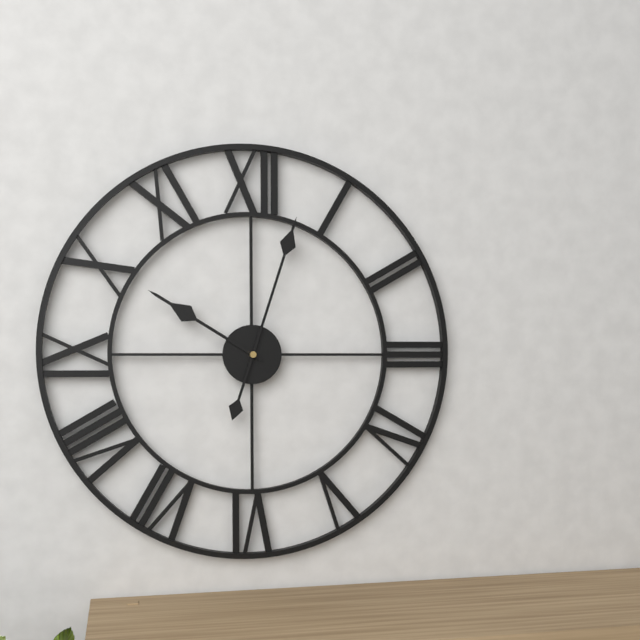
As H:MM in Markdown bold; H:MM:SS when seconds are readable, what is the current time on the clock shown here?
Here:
**10:03**
